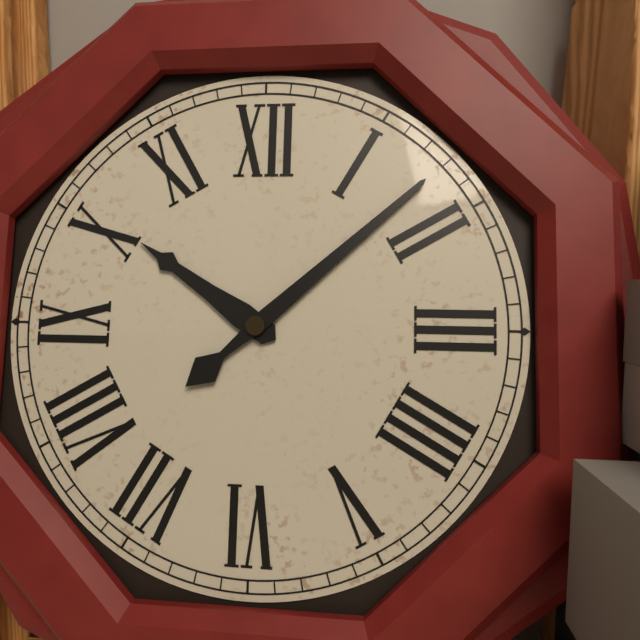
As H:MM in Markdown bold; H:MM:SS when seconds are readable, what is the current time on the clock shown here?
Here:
**10:08**
